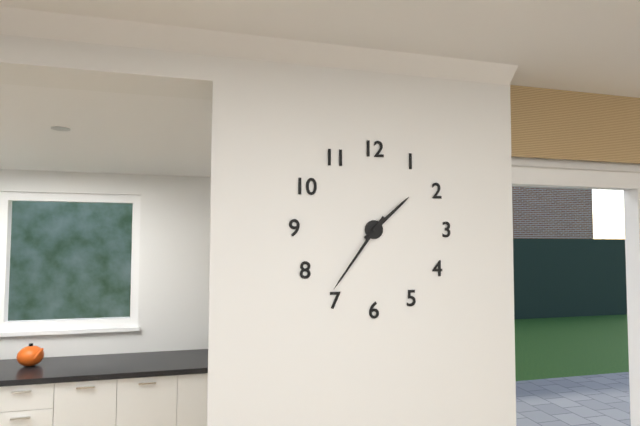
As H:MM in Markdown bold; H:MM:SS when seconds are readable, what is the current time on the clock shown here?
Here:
**1:36**
